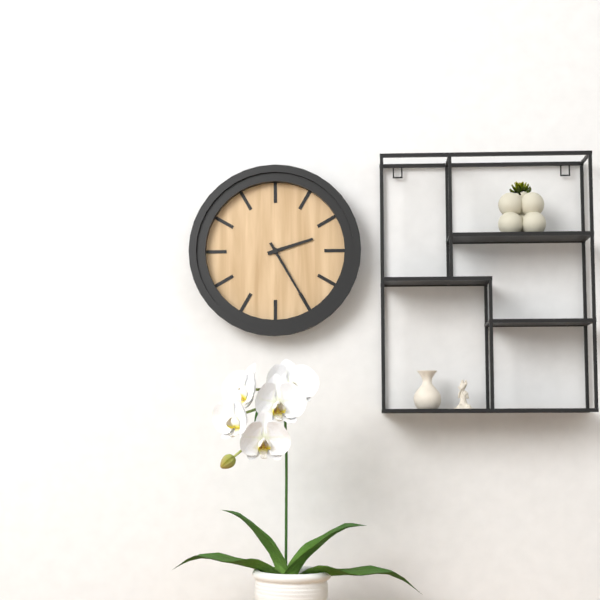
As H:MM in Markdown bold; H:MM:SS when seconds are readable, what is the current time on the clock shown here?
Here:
**2:25**
